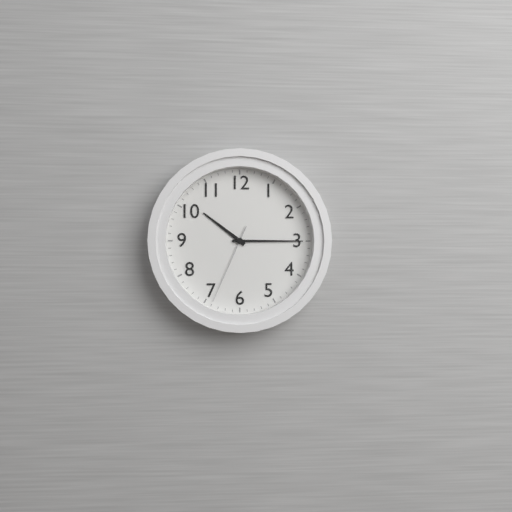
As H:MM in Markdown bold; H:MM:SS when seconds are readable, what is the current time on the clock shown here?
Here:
**10:15:34**
